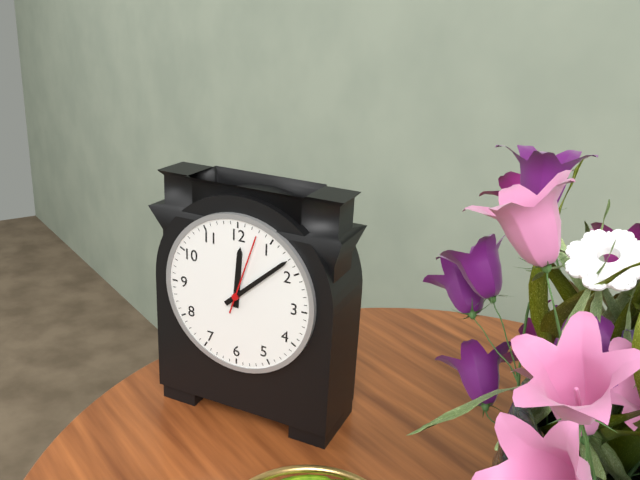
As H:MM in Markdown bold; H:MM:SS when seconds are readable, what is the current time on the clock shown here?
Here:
**12:08:03**
